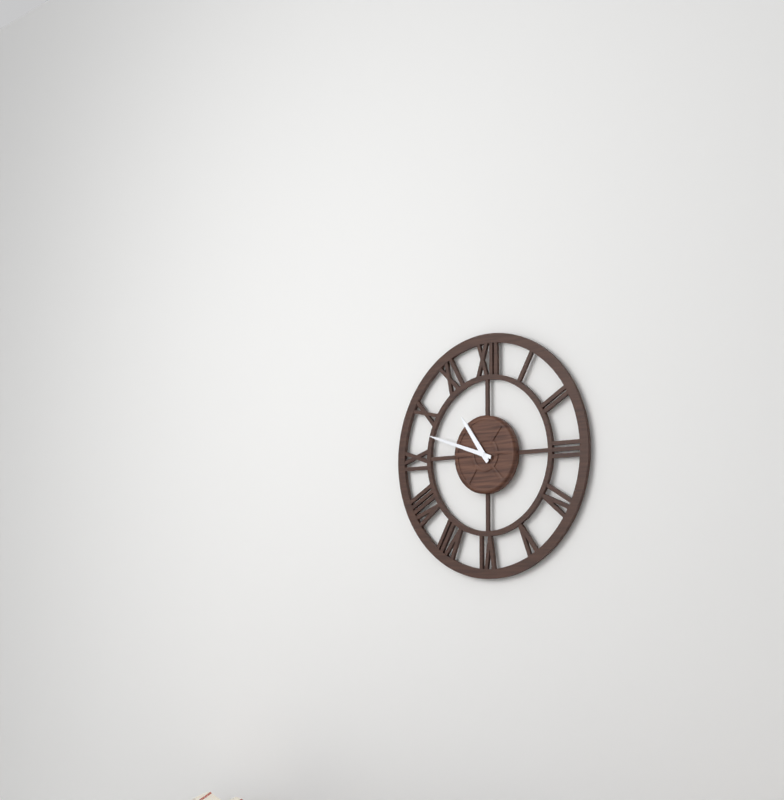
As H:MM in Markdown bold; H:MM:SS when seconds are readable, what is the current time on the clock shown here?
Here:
**10:48**
